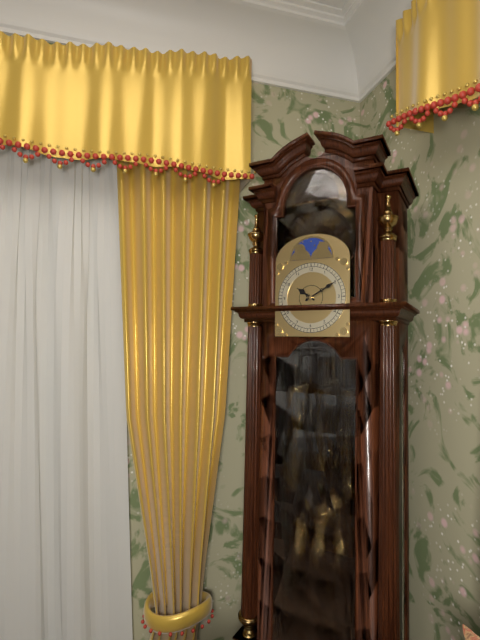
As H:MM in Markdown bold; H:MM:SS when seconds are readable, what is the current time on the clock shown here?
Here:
**10:10**
